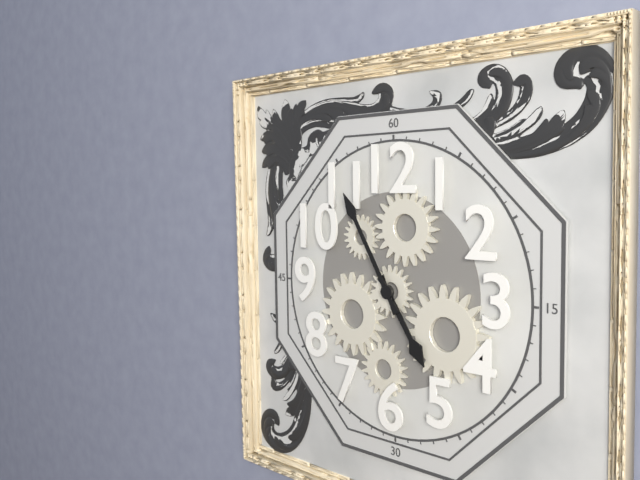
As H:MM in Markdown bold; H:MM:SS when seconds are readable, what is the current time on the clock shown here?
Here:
**4:55**
